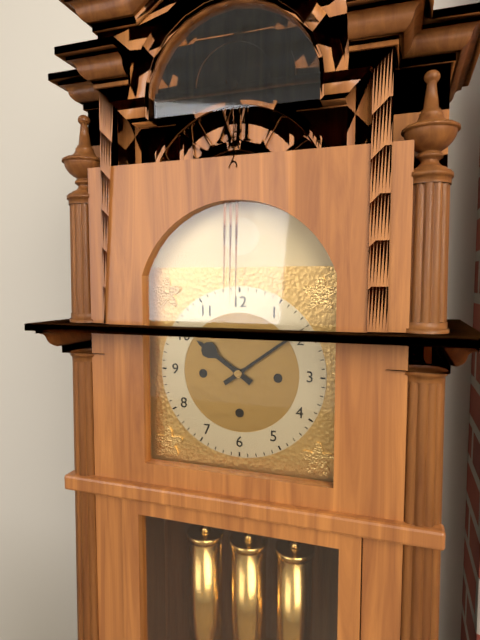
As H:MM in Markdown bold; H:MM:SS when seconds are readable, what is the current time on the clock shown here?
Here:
**10:09**
